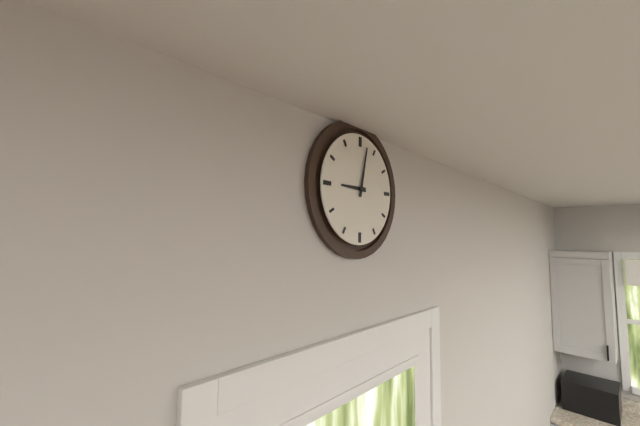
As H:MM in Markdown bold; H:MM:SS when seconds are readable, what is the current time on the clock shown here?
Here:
**9:02**
